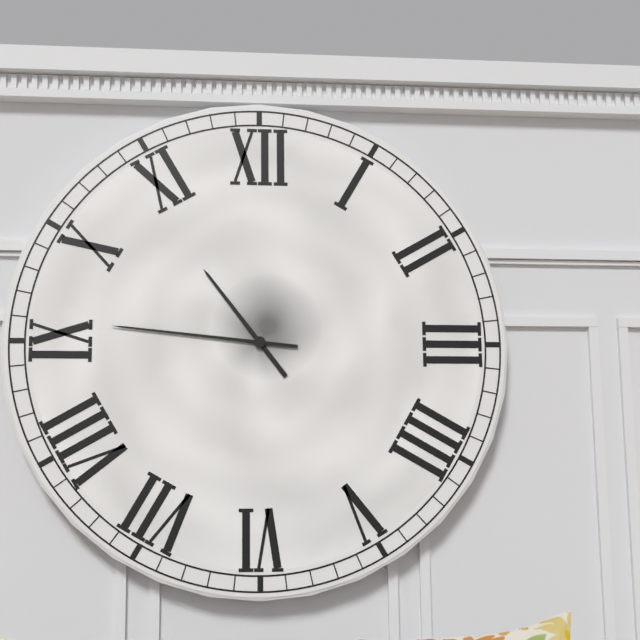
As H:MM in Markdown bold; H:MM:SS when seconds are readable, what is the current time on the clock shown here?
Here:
**10:46**
